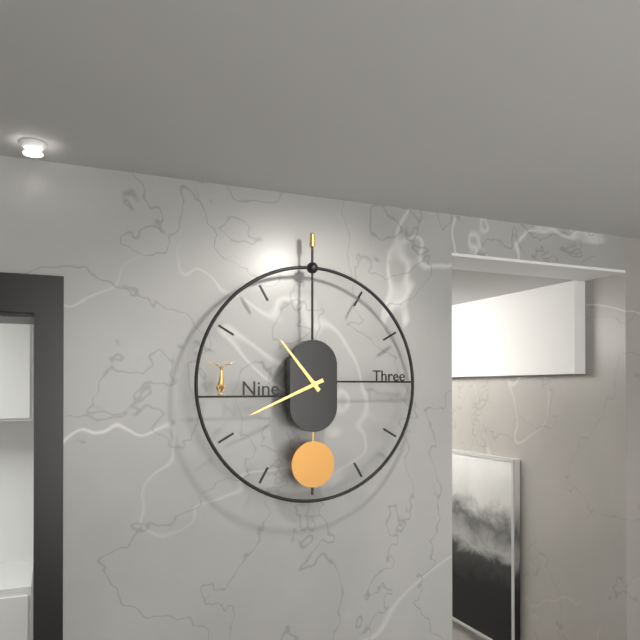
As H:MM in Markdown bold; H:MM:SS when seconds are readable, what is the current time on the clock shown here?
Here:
**10:41**
